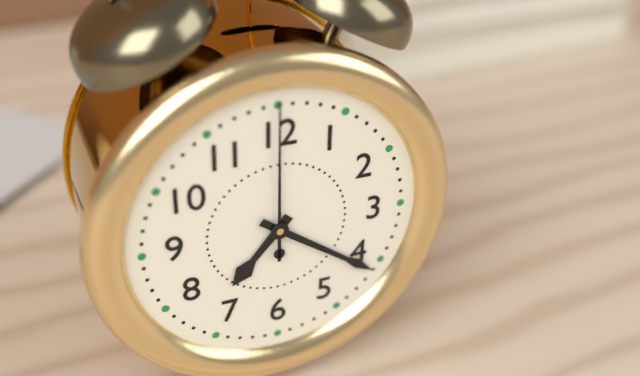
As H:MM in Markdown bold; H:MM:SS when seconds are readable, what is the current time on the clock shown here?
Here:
**7:21:00**
